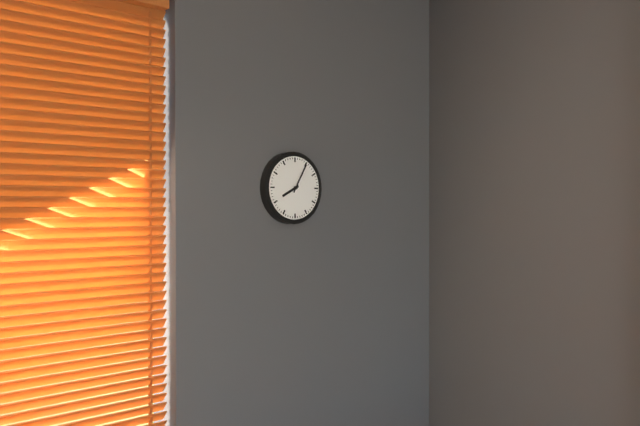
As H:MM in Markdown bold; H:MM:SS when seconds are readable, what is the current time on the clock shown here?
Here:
**8:05**
